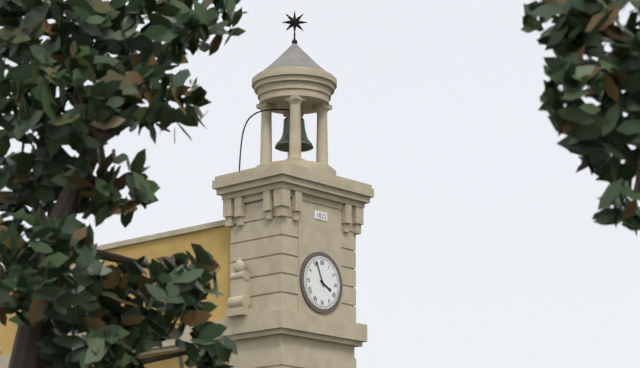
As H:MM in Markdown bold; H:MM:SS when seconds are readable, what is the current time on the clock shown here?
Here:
**3:56**
